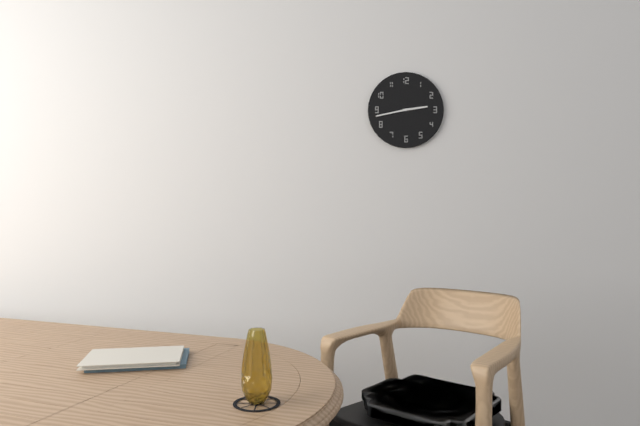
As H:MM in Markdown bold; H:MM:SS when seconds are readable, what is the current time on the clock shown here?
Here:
**2:43**
